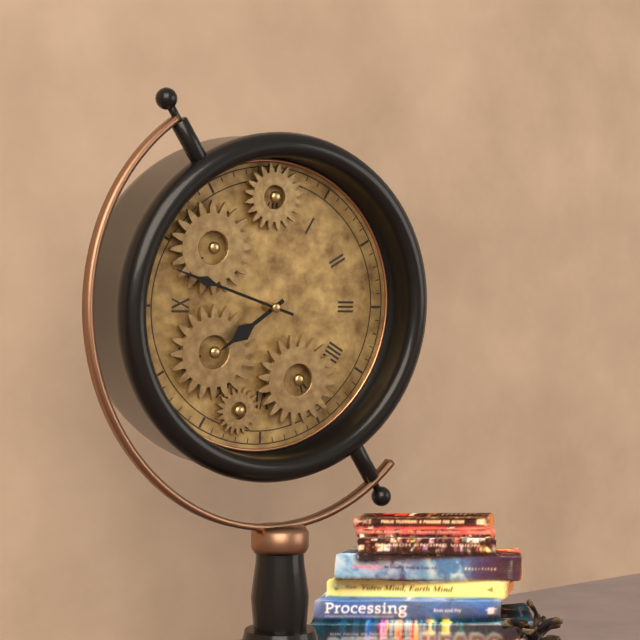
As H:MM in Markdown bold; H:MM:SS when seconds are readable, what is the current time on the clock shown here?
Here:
**7:48**
